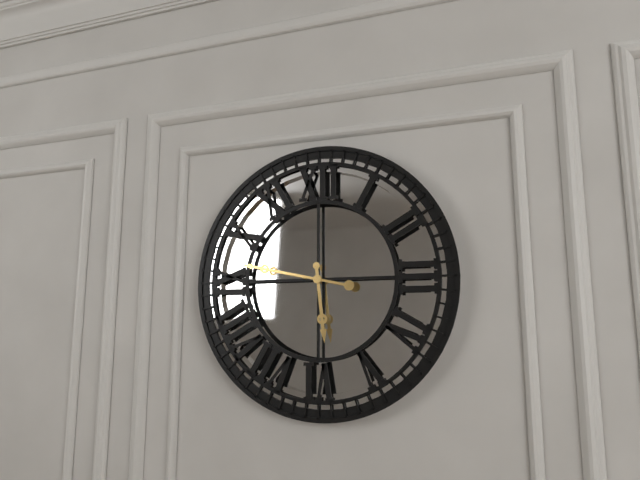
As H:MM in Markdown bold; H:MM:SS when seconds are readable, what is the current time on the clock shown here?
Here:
**5:47**
